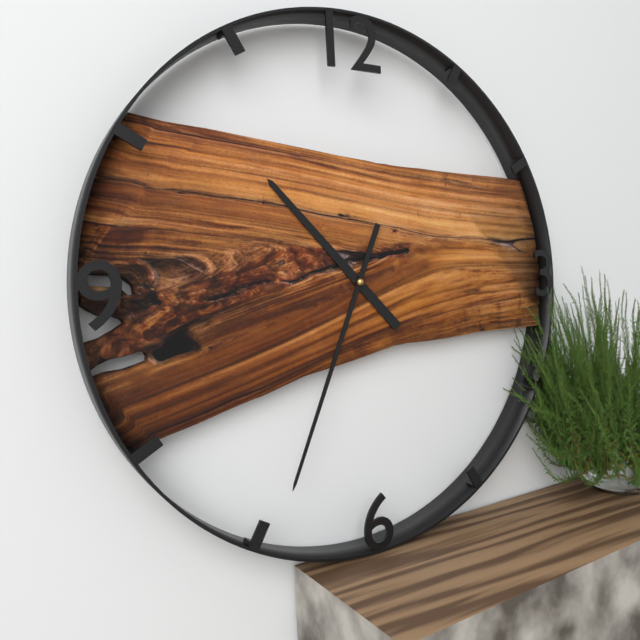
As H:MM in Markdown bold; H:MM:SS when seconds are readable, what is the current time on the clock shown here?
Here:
**10:34**
